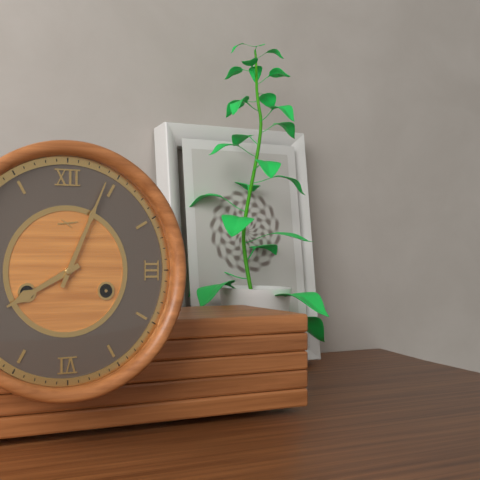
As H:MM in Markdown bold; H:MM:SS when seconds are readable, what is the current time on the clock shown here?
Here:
**8:04**
